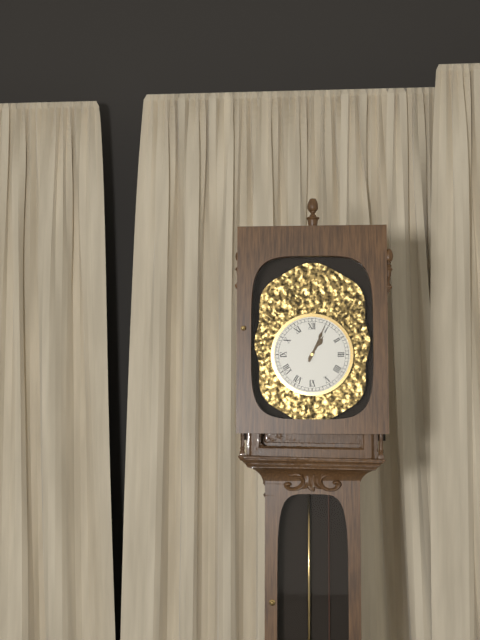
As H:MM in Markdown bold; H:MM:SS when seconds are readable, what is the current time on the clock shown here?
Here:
**1:04**
